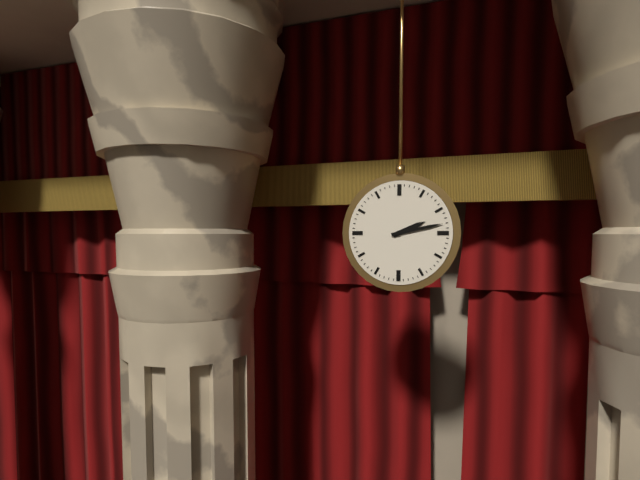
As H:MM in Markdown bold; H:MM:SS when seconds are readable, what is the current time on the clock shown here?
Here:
**2:13**
